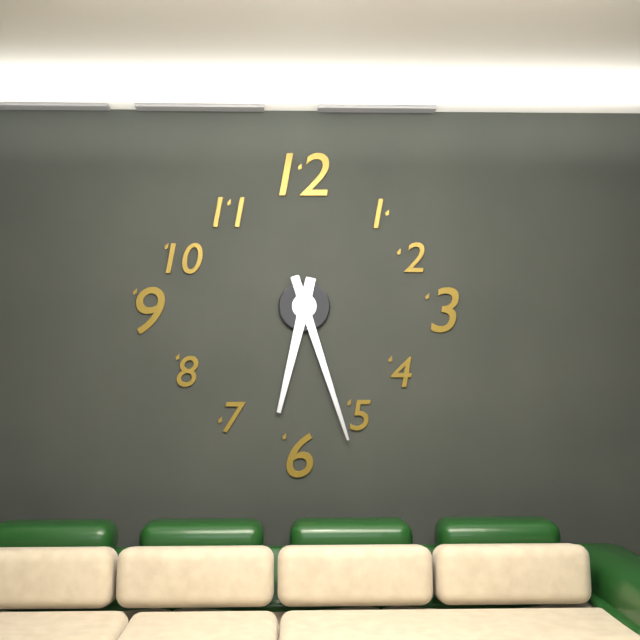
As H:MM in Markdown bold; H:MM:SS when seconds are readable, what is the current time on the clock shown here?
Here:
**6:27**
